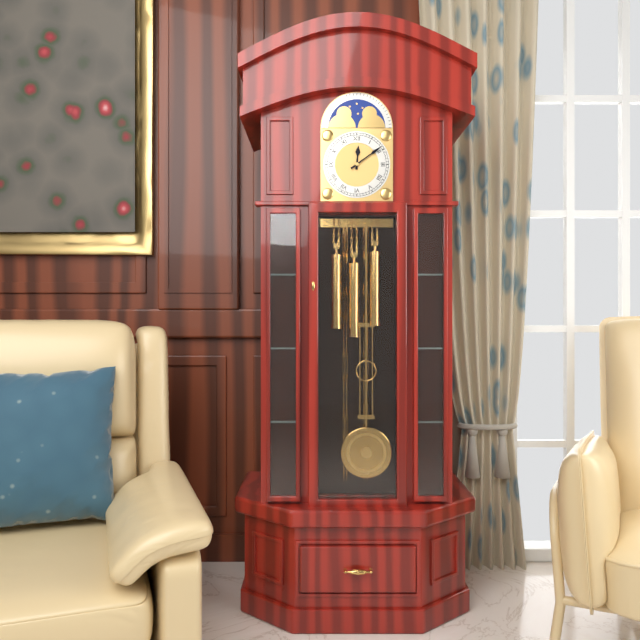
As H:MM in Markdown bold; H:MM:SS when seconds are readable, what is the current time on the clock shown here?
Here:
**12:09**
